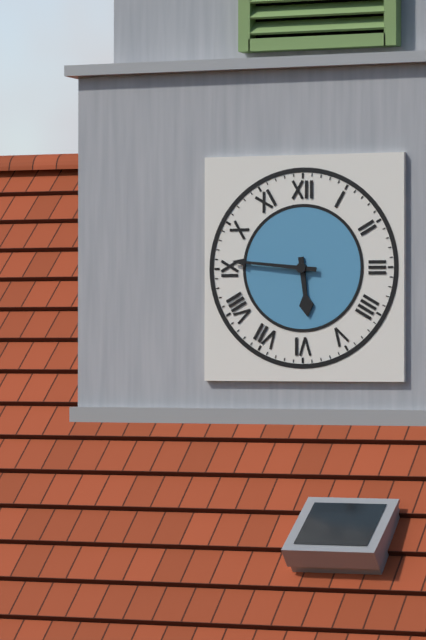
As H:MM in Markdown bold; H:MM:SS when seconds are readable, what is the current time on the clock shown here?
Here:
**5:46**
